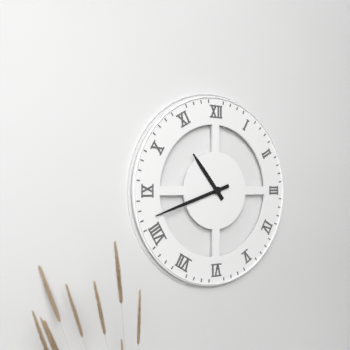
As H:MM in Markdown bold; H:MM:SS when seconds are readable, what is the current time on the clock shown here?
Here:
**10:42**
